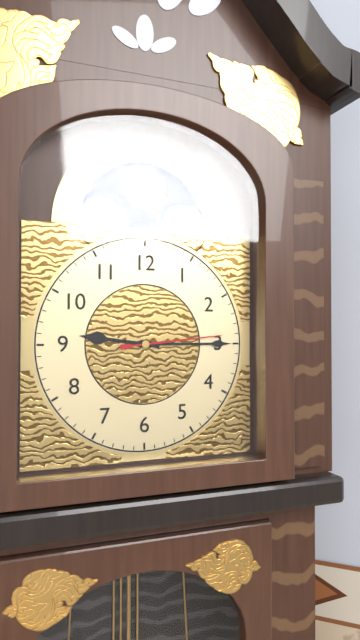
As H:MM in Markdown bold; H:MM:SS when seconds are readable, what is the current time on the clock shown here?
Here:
**9:15:14**
